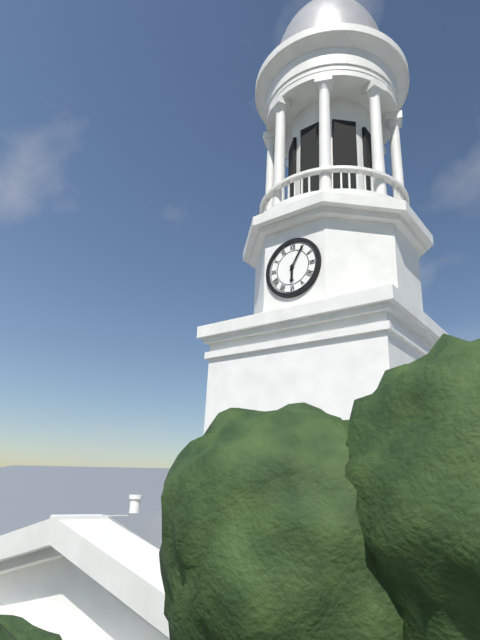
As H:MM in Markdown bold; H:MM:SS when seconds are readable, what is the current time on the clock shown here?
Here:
**6:05**
